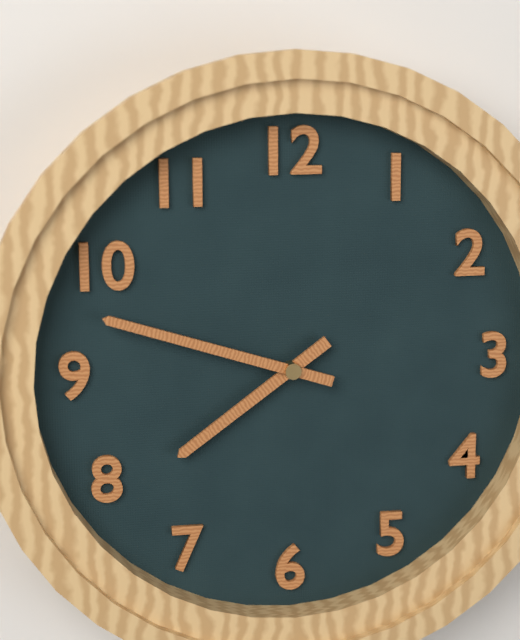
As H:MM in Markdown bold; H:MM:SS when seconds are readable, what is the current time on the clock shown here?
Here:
**7:48**
